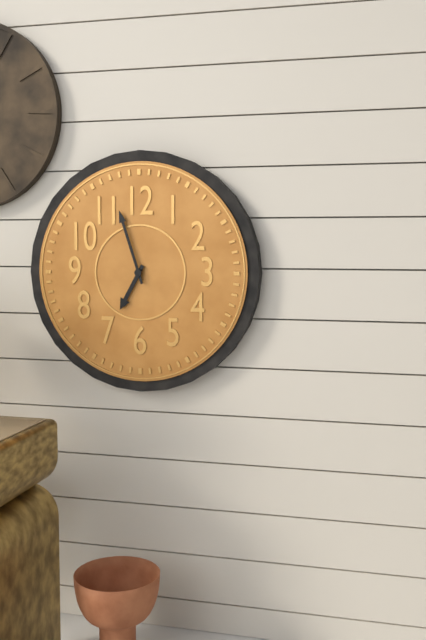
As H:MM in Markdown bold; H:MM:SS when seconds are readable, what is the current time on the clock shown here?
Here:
**6:57**
